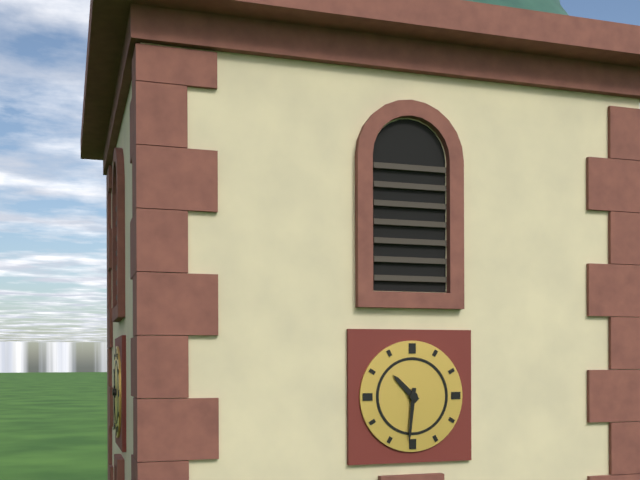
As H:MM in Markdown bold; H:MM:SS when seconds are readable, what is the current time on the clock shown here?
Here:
**10:31**
